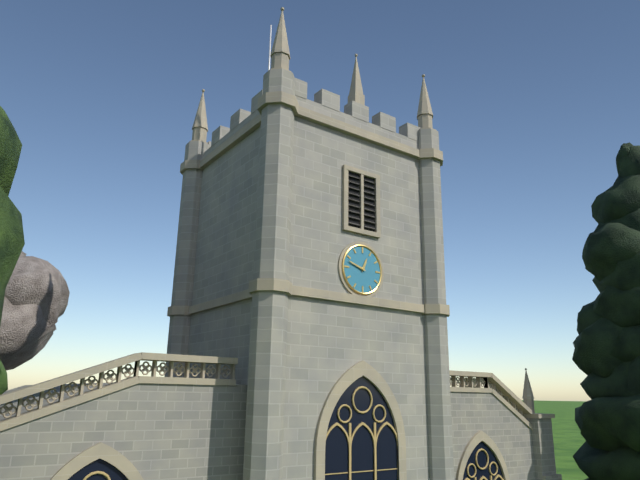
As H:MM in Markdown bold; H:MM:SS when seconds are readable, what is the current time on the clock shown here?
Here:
**12:48**
